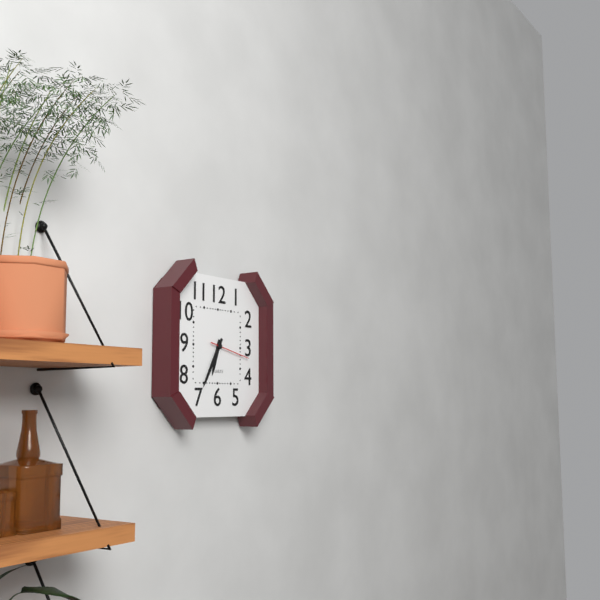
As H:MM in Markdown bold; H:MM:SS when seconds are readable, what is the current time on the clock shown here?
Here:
**6:35**
